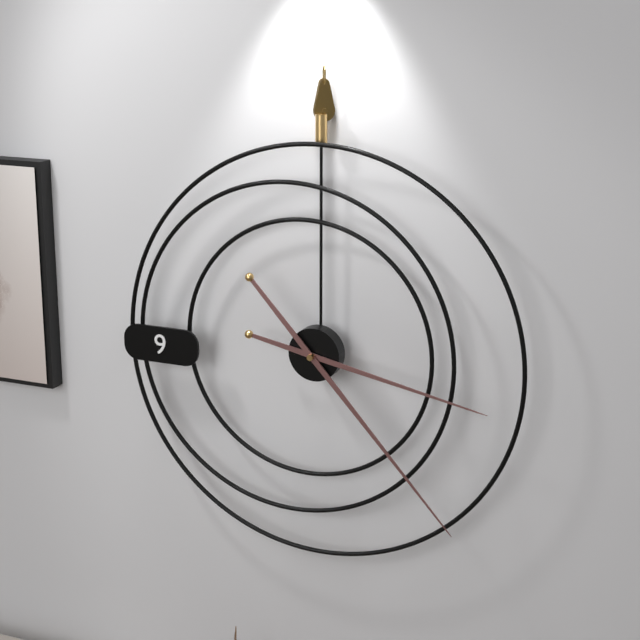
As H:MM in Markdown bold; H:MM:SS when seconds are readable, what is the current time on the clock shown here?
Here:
**3:23**
